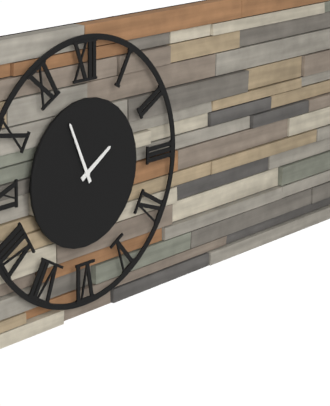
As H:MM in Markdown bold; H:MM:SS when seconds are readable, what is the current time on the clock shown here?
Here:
**1:56**
